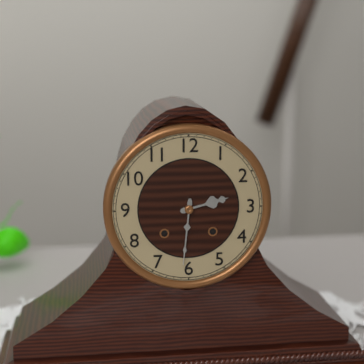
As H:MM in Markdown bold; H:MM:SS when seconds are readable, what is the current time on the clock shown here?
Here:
**2:31**
